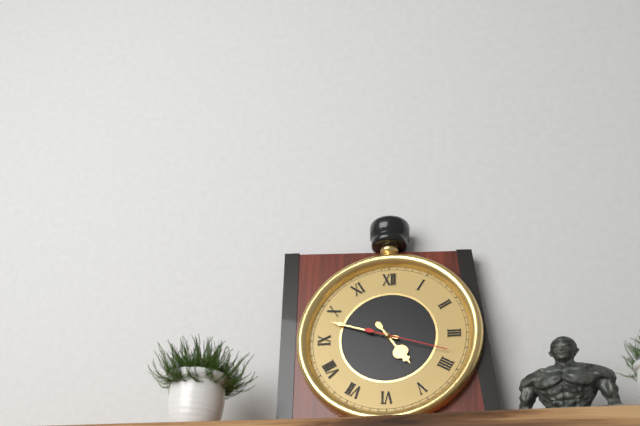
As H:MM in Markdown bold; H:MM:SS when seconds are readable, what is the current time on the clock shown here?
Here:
**4:48:18**
